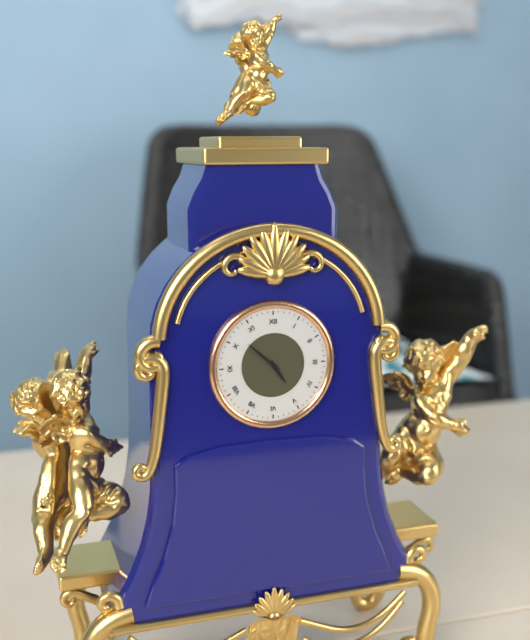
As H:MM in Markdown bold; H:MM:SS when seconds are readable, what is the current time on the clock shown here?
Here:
**4:52**
